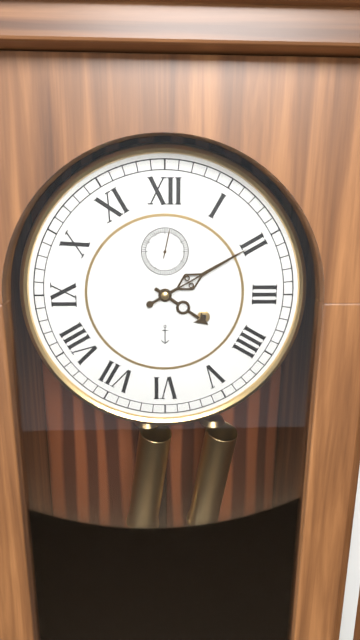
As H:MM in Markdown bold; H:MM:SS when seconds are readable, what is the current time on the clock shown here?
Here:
**4:10**
